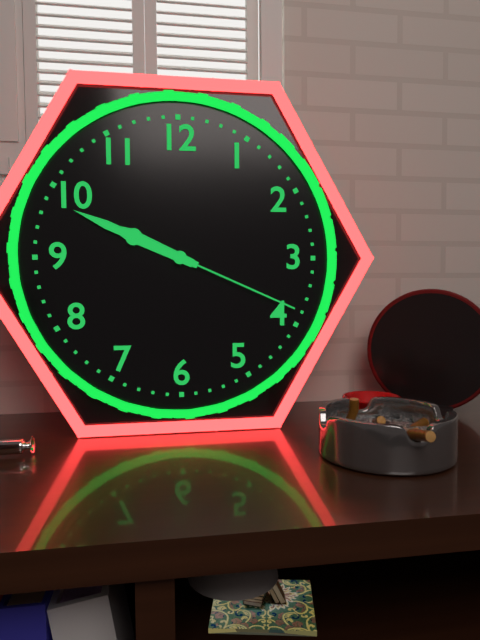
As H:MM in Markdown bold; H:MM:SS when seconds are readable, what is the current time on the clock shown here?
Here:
**9:49:19**
